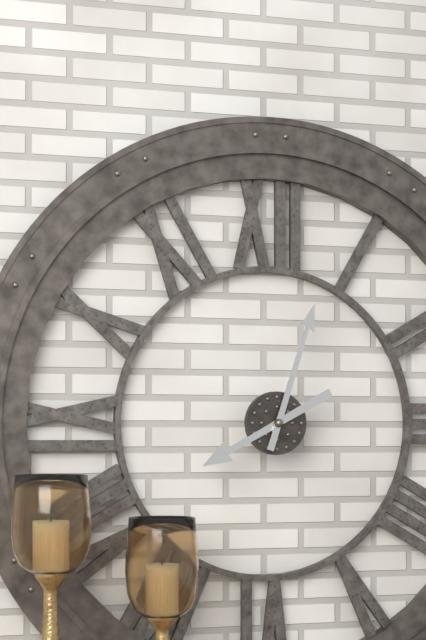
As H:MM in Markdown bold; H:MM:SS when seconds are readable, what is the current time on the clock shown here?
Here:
**8:03**
